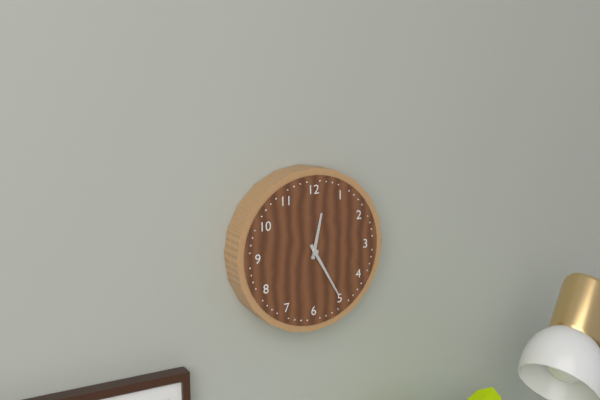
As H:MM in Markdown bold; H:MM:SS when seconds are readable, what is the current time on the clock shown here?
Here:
**12:25**
